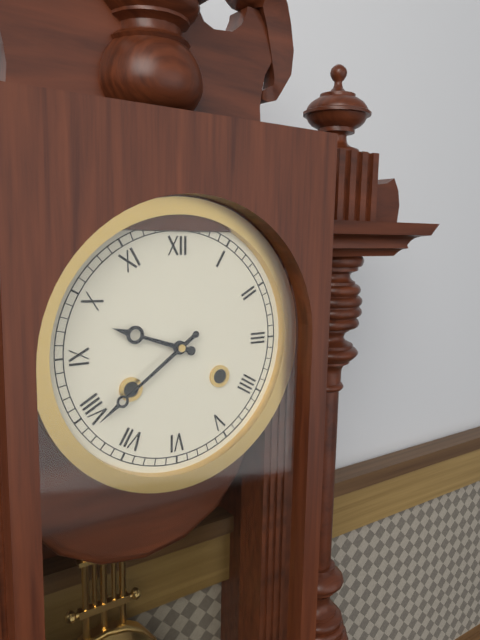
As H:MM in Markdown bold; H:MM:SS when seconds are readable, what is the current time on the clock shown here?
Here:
**9:39**
